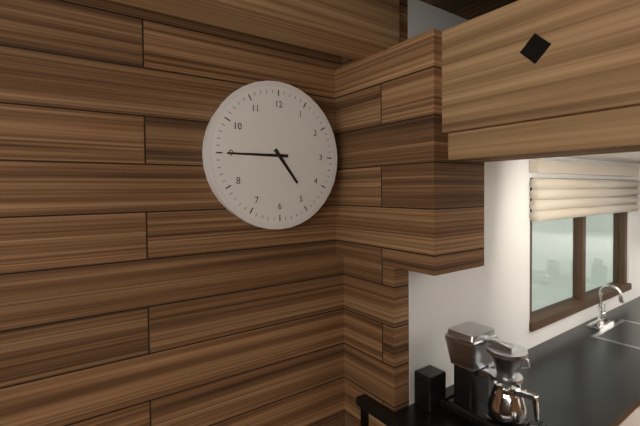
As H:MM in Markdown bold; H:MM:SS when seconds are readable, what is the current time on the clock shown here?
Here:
**4:45**
